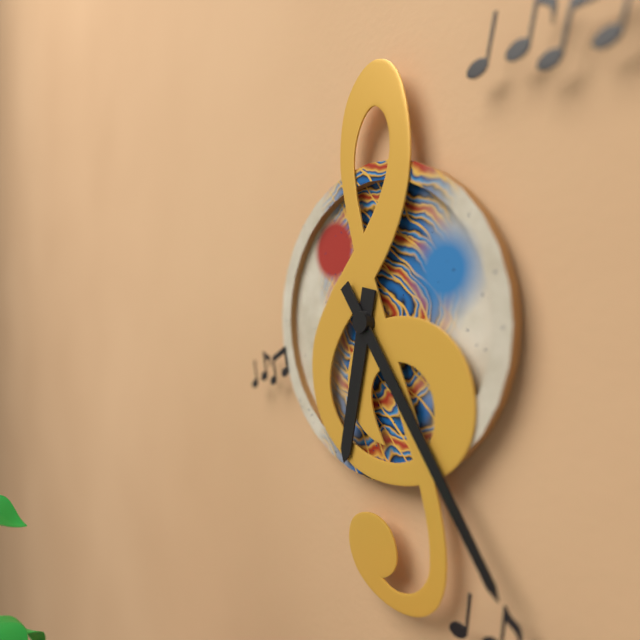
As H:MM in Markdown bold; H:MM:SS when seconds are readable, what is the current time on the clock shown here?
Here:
**6:24**
